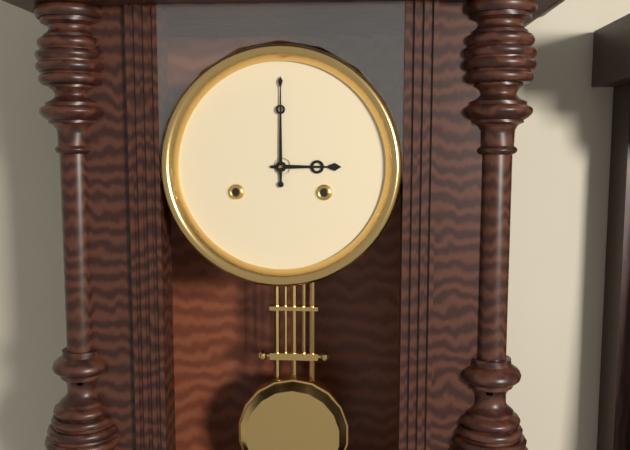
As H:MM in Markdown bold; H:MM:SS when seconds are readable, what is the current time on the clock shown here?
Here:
**3:00**
